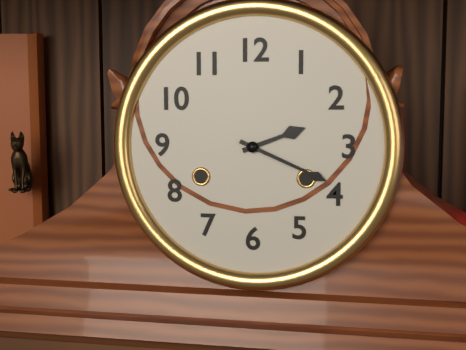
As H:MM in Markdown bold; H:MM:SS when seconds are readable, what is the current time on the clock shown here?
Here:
**2:19**
